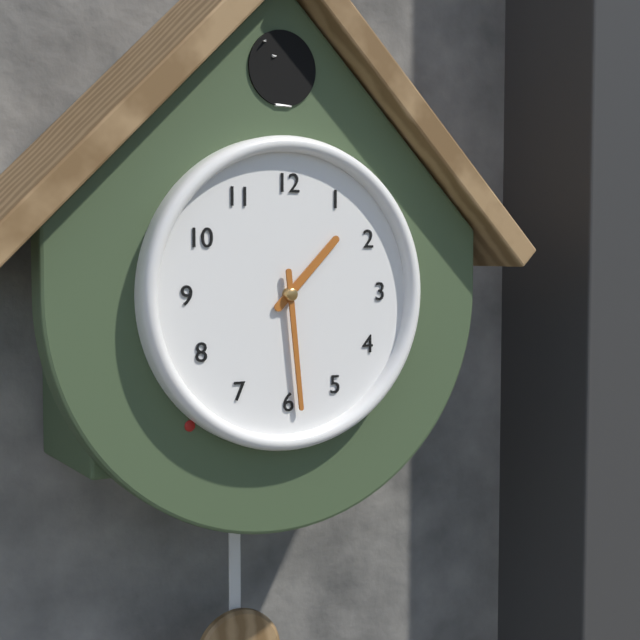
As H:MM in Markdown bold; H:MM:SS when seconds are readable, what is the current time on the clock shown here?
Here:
**1:29**
